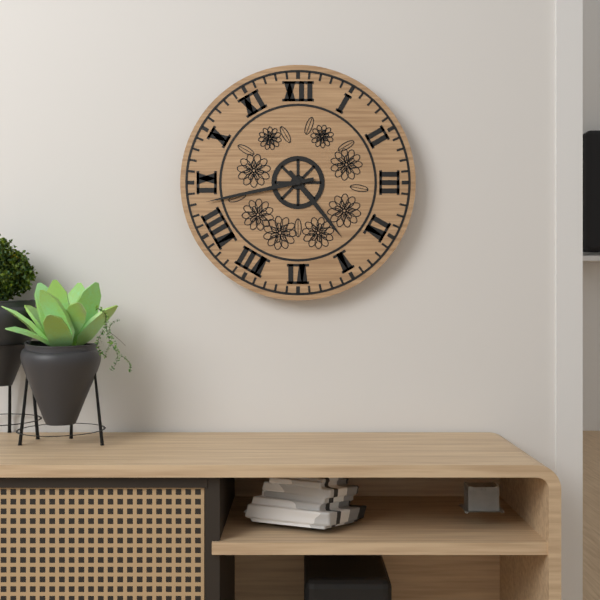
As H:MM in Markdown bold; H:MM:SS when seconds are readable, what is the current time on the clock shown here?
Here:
**4:43**
